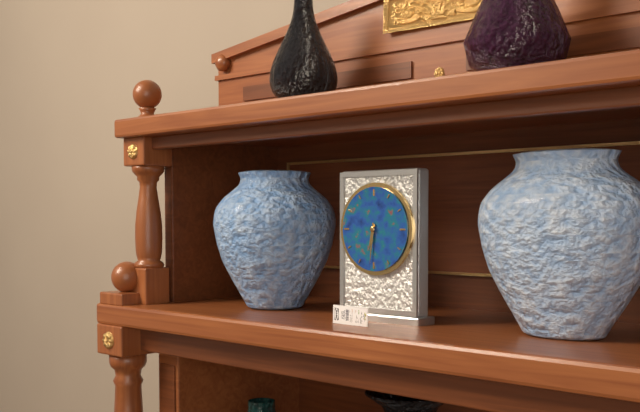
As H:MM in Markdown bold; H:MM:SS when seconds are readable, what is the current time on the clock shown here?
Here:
**6:31**
